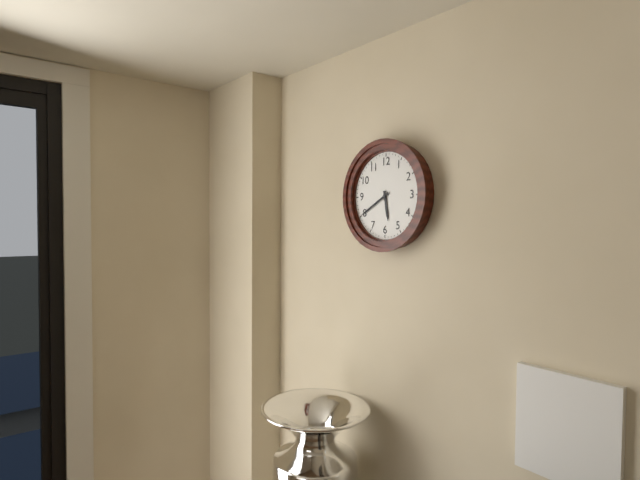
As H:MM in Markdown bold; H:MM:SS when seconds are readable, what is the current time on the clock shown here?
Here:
**5:40**
